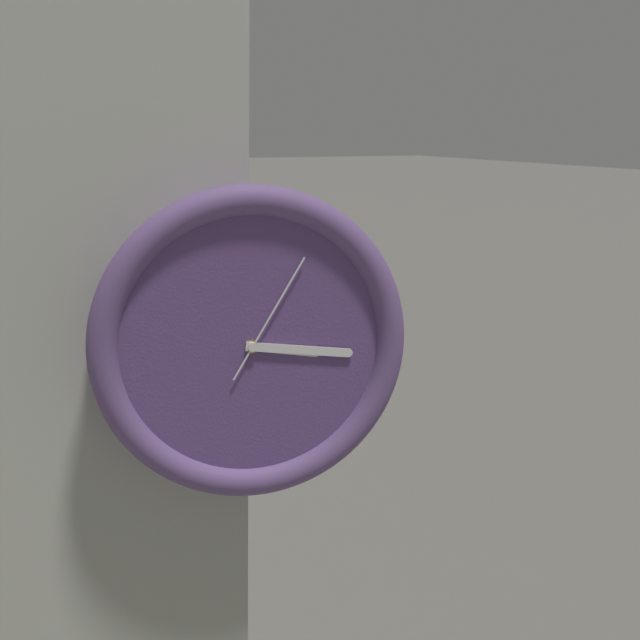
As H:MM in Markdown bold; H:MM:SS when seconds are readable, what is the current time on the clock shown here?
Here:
**3:16:05**
